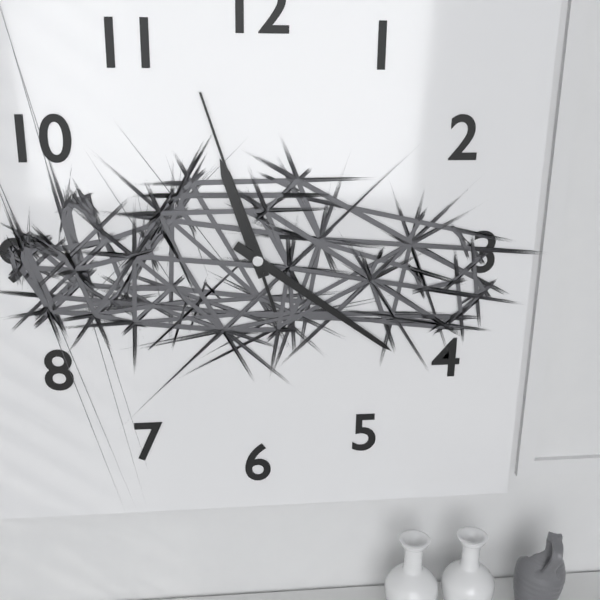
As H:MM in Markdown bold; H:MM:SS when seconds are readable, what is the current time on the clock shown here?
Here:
**11:21:57**
